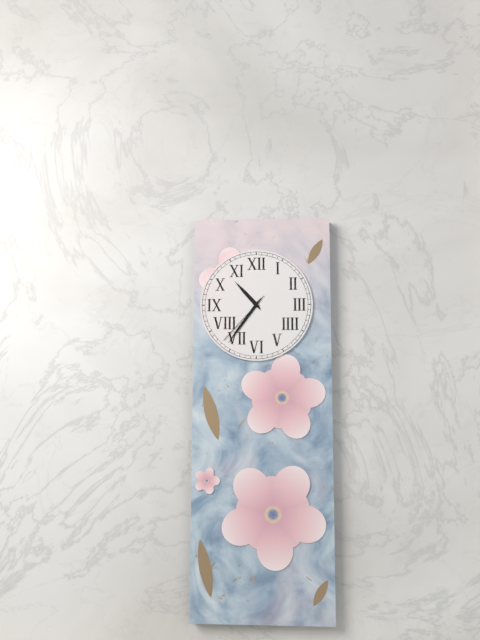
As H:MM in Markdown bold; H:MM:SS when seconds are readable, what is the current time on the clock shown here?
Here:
**10:36:37**
